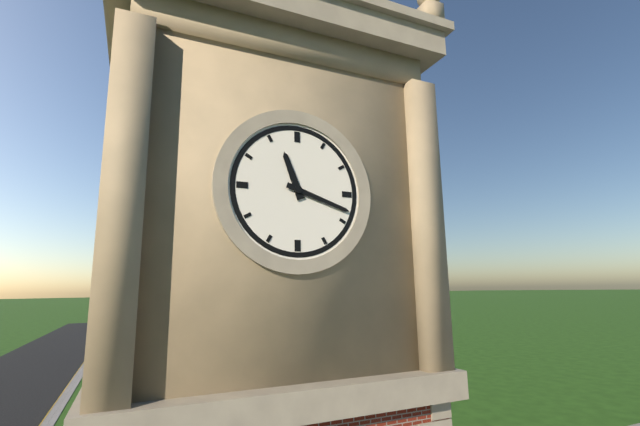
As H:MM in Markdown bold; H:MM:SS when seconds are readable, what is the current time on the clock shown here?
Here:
**11:18**
